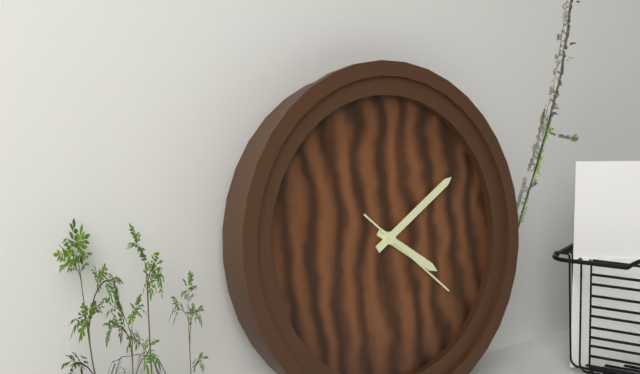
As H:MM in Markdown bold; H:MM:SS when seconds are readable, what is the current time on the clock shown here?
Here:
**4:10:22**
